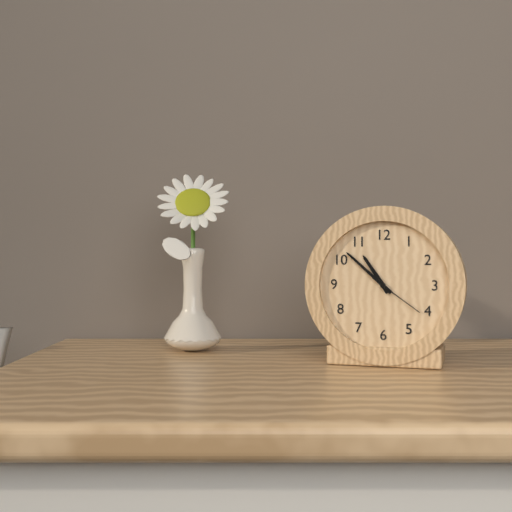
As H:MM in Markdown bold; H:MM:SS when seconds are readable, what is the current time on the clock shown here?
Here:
**10:52:21**
